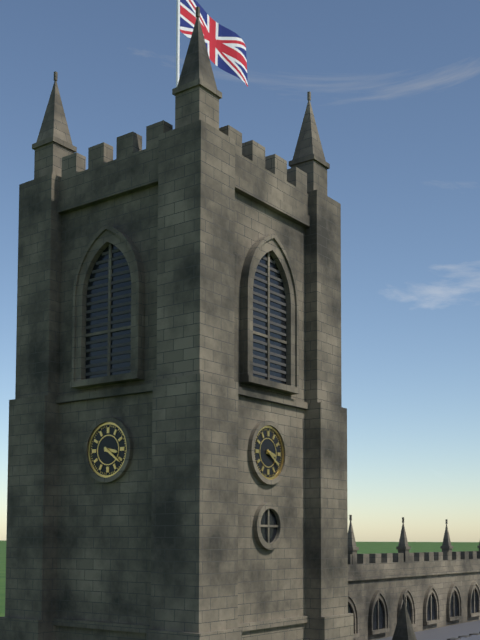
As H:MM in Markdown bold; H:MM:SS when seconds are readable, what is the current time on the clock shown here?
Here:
**3:21**
